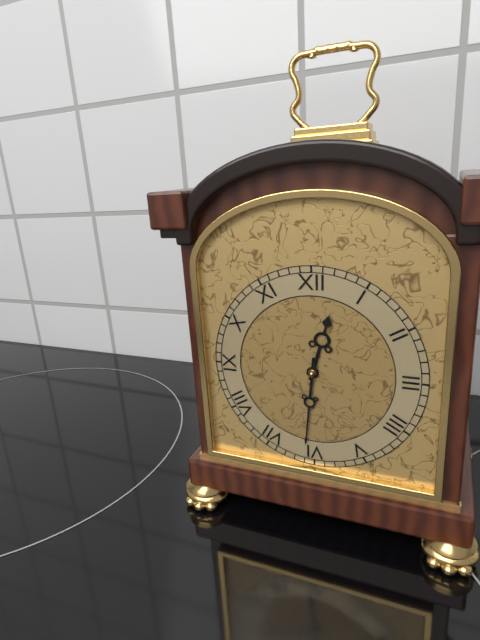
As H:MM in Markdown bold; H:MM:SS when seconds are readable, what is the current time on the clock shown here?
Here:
**12:31**
